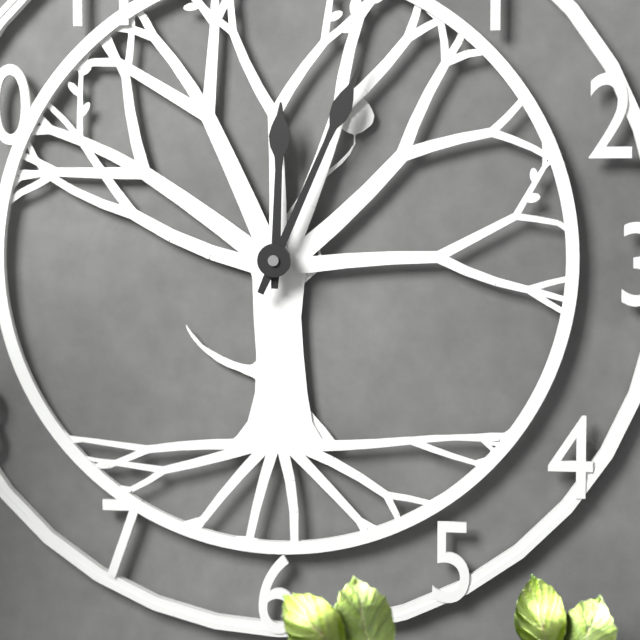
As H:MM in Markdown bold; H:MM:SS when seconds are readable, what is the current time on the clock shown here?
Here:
**12:04**
